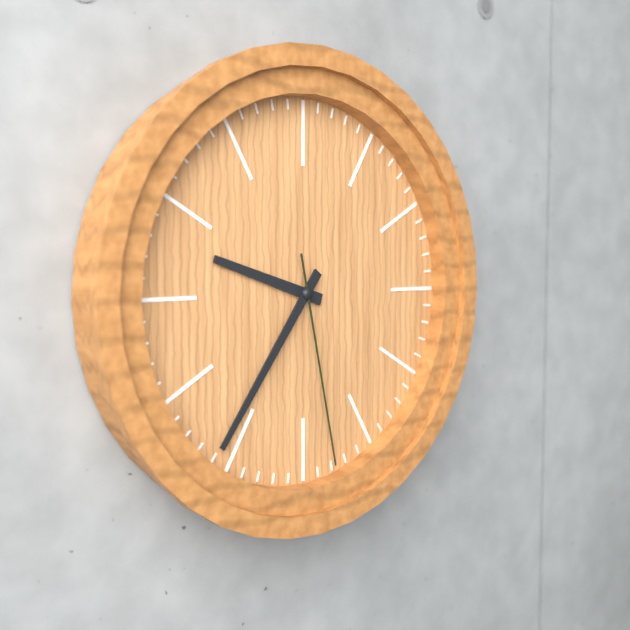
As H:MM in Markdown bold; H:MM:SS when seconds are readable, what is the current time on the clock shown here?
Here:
**9:36:28**
